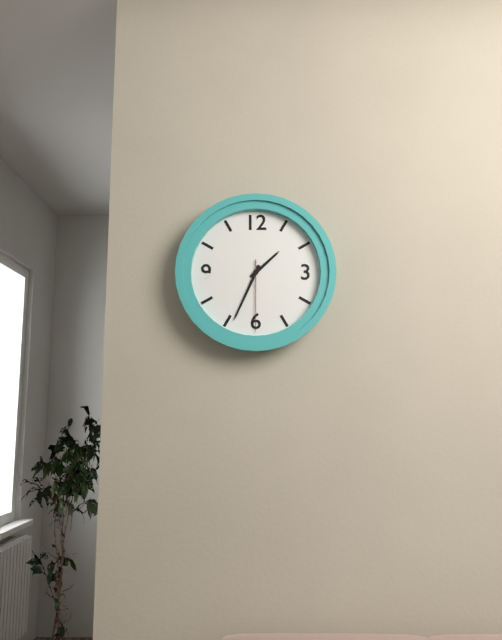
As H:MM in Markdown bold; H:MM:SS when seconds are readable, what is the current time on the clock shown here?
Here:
**1:34:30**
